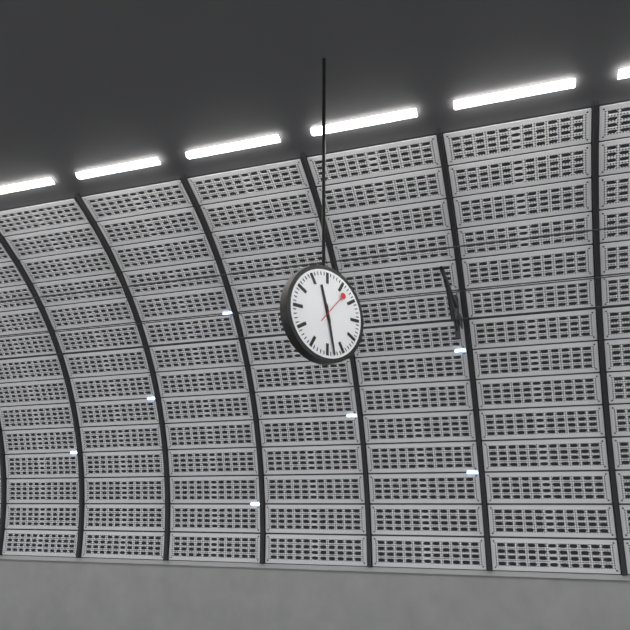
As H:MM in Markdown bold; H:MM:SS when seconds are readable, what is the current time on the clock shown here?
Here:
**11:28**
